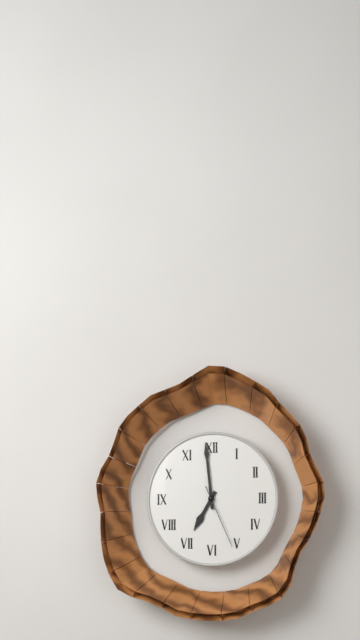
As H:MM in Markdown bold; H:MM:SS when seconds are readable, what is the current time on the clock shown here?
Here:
**6:59:26**
